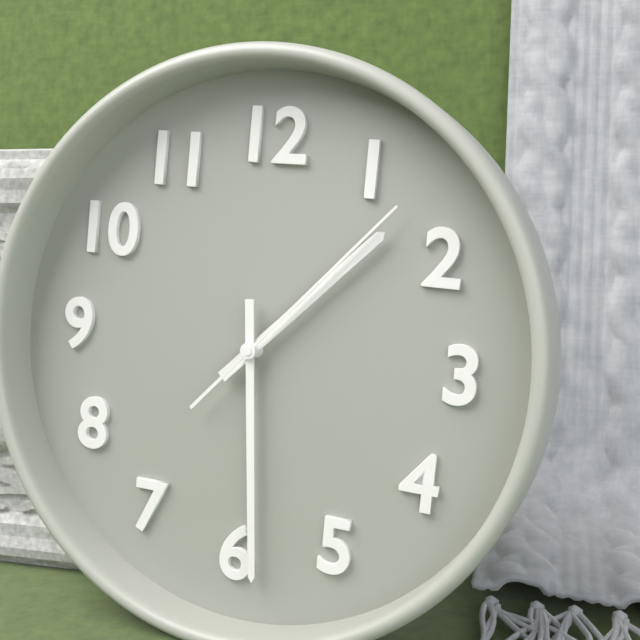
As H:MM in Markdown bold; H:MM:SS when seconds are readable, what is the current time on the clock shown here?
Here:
**1:29:07**
